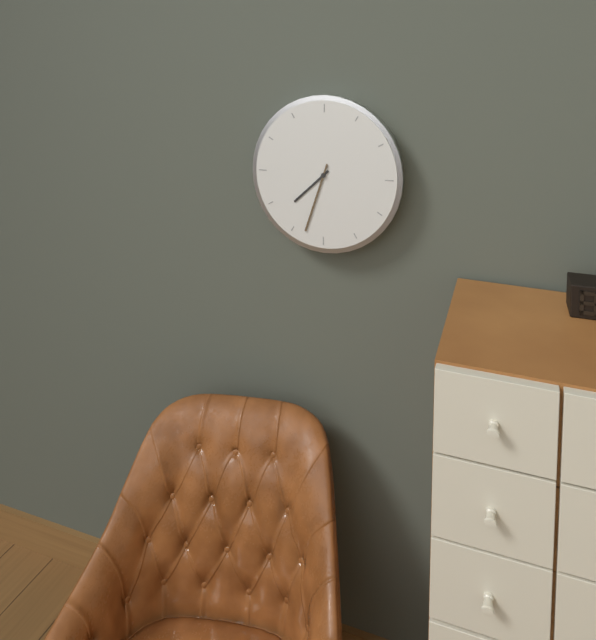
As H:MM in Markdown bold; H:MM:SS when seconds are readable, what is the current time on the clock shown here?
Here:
**7:33**
